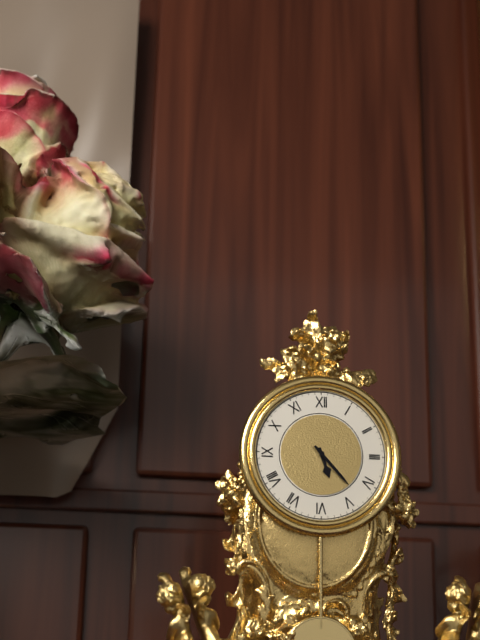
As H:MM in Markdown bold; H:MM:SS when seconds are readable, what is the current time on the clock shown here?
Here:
**5:23**
